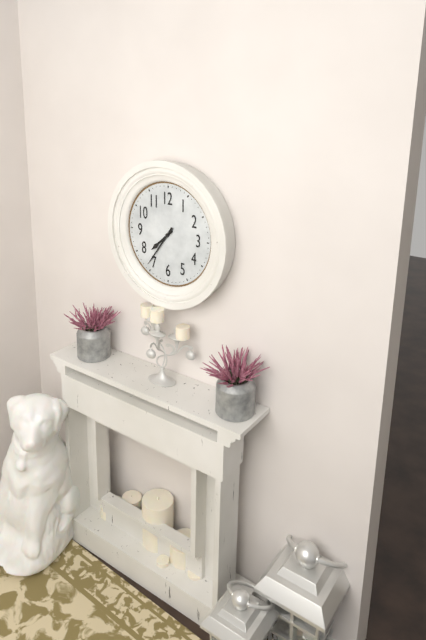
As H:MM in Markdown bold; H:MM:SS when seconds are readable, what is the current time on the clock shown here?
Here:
**7:36**
